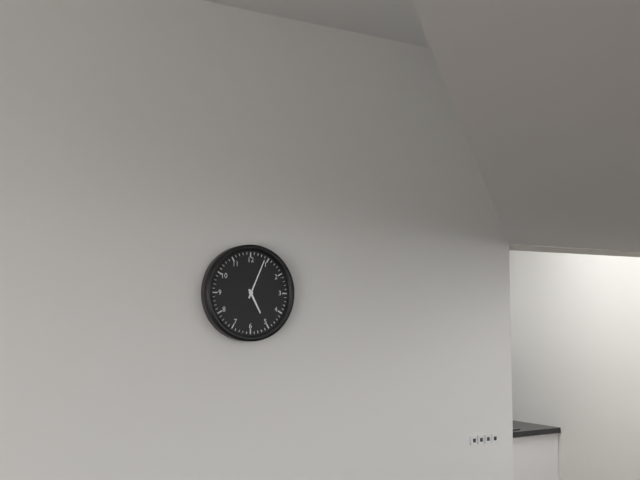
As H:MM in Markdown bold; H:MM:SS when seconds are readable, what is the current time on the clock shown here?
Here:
**5:04**
